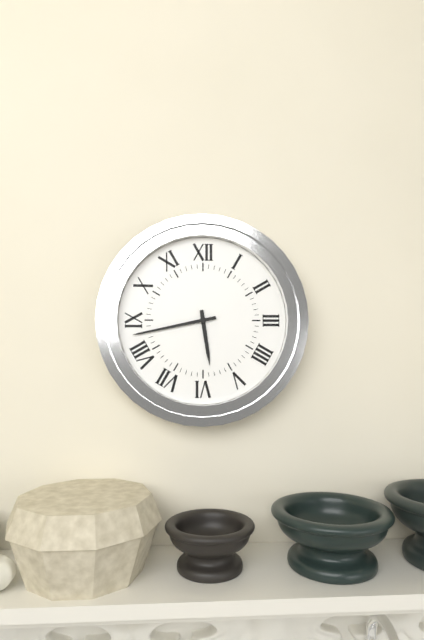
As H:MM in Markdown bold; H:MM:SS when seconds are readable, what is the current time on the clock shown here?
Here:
**5:43**
